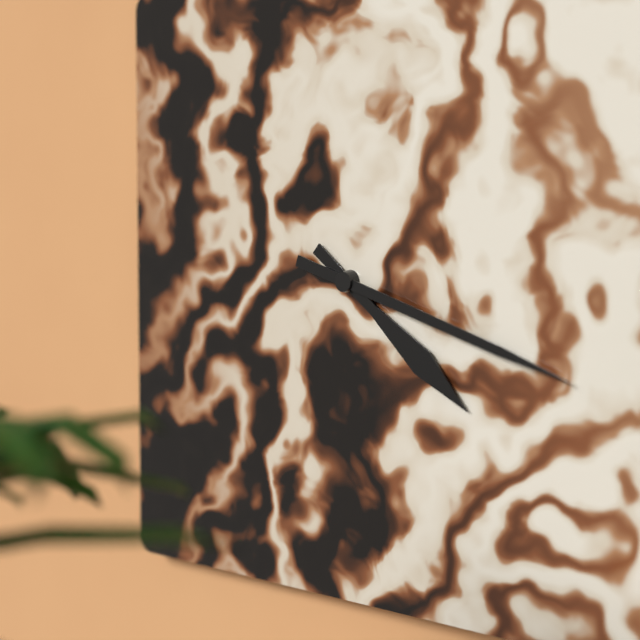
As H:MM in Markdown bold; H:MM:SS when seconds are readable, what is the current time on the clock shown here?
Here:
**4:18**
